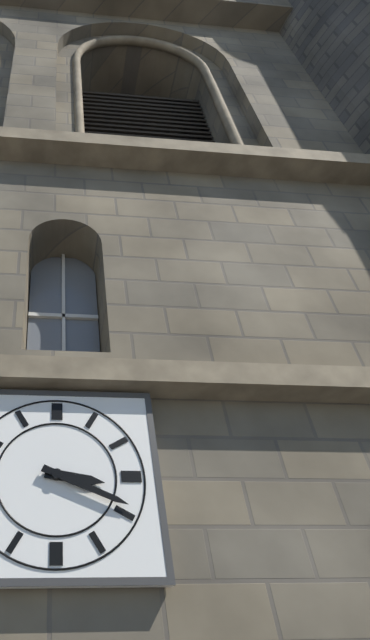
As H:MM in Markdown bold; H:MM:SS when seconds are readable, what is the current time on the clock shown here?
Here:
**3:19**
